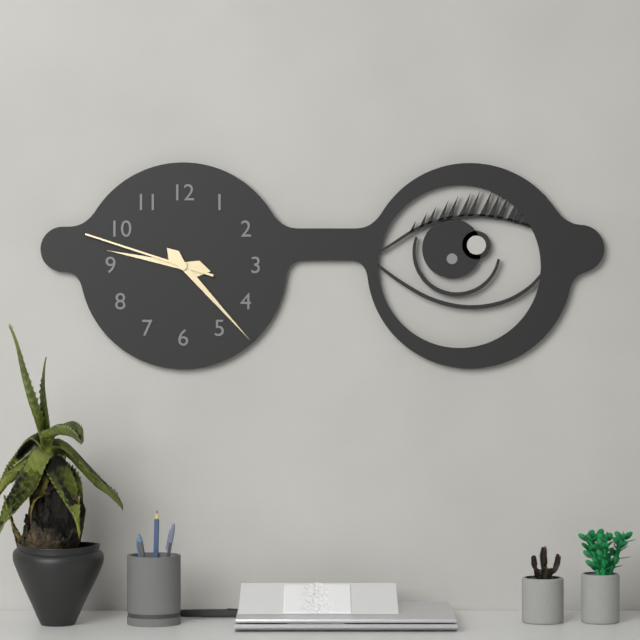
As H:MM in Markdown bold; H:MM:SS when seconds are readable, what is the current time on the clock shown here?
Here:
**9:23:48**
